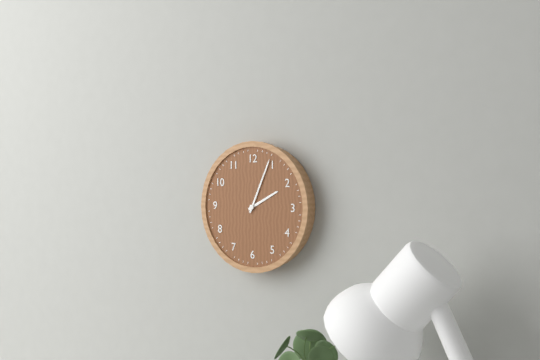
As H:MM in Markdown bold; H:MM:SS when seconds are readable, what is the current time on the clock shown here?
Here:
**2:04**
